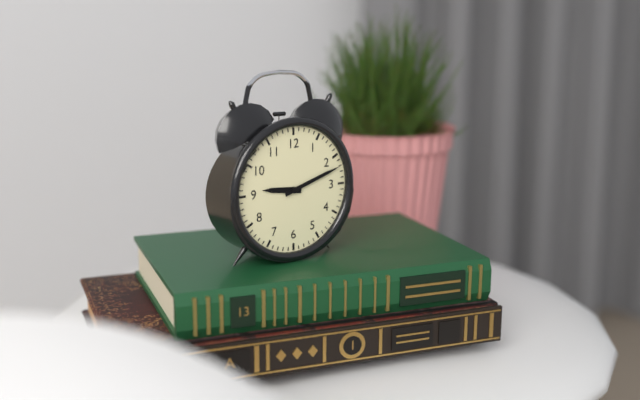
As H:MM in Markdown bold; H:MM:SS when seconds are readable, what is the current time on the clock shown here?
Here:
**9:12**
